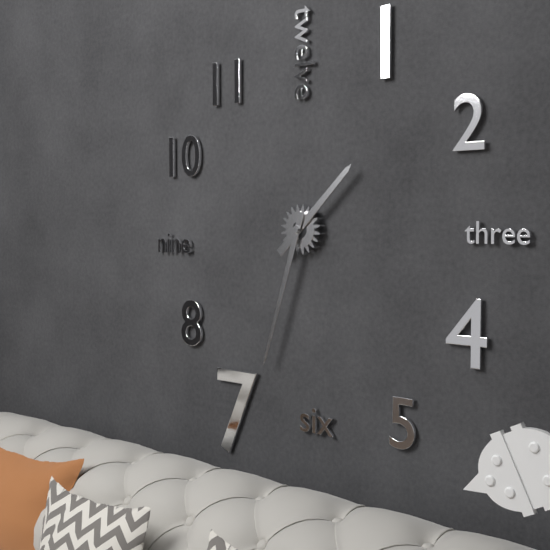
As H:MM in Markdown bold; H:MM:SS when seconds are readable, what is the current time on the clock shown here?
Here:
**1:33**
